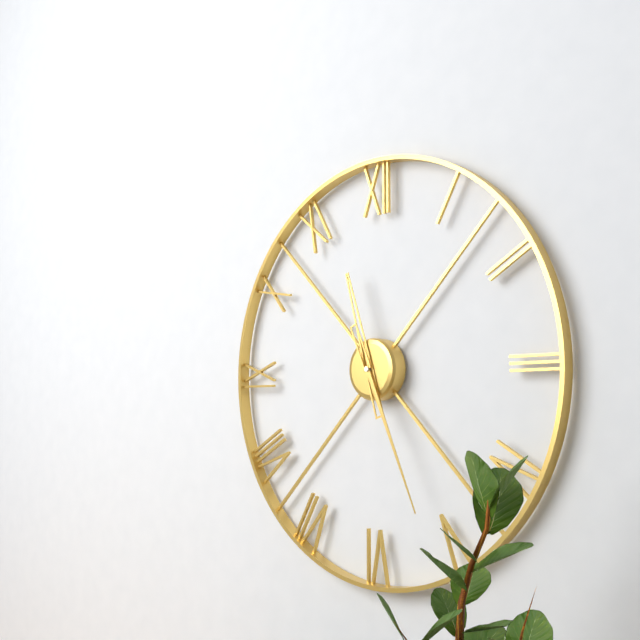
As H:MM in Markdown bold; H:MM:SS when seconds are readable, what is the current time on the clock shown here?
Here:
**11:26**
